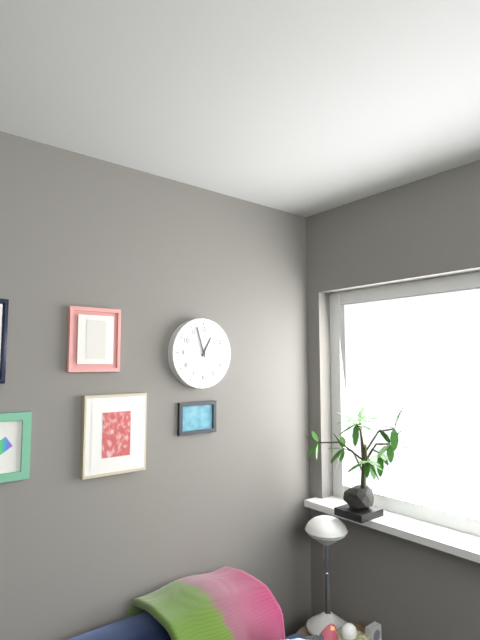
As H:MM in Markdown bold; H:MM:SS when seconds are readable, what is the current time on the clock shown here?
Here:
**12:57**
